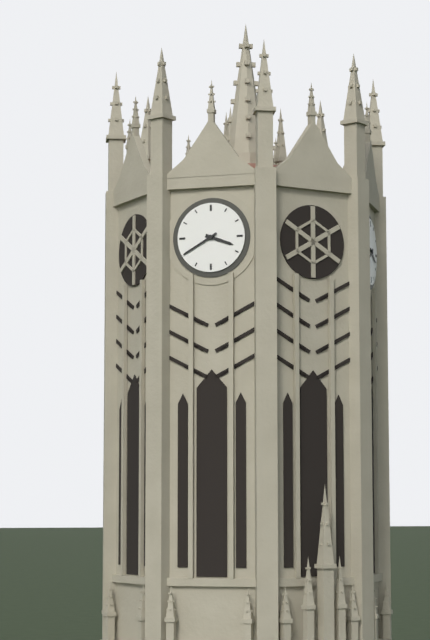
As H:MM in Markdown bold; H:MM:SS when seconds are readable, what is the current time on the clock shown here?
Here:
**3:40**
